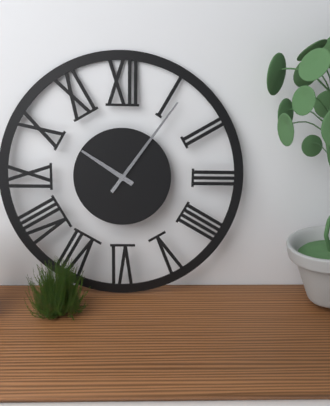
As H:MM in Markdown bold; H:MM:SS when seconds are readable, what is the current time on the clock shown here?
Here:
**10:06**
